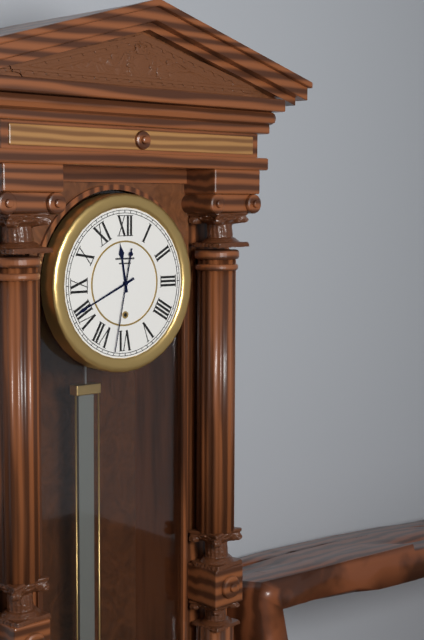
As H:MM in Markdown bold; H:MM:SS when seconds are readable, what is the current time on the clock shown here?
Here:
**11:41:32**
